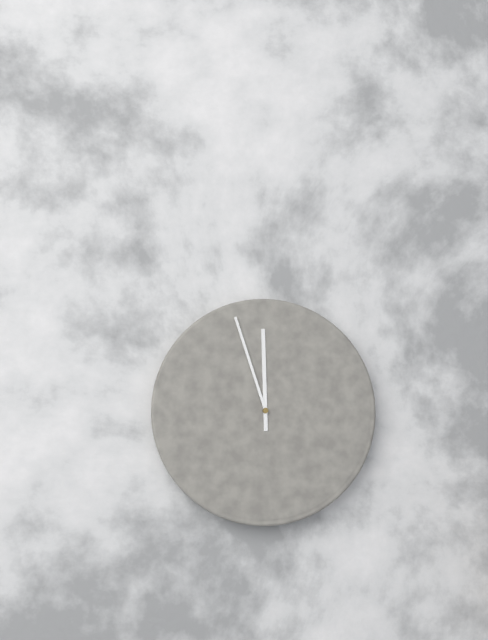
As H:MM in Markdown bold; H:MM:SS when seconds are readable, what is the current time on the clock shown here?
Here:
**11:57**
